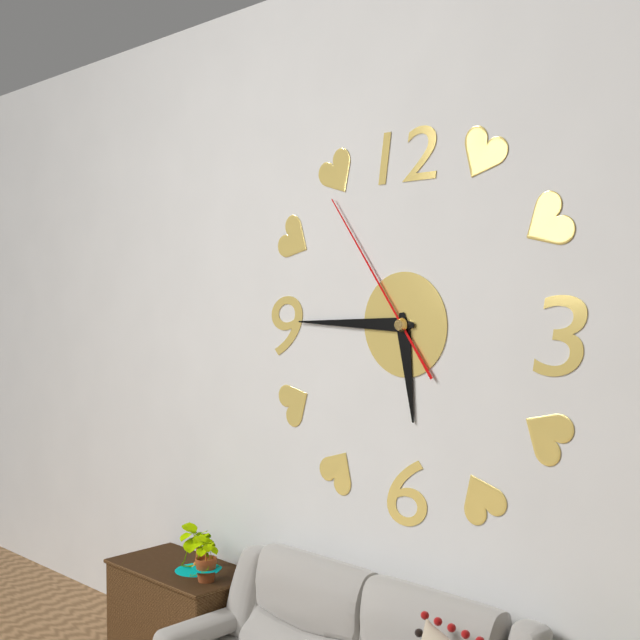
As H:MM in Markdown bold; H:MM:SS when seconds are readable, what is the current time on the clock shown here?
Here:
**5:45:54**
